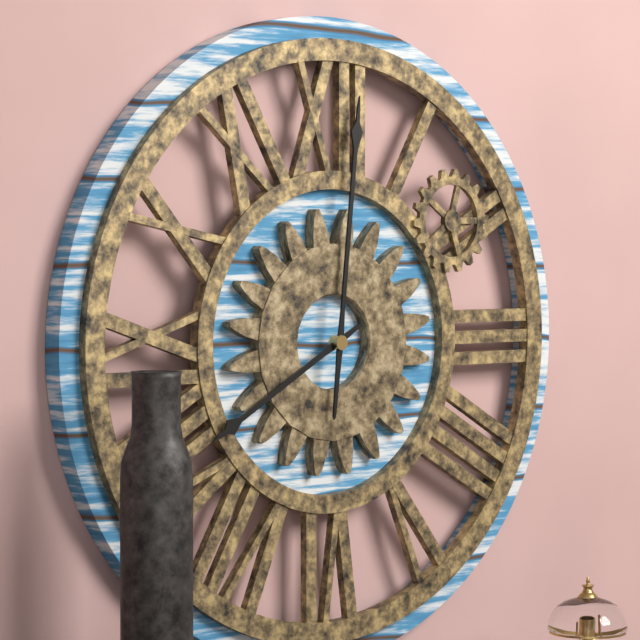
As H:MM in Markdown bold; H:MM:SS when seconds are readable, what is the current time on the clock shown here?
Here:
**8:01**
